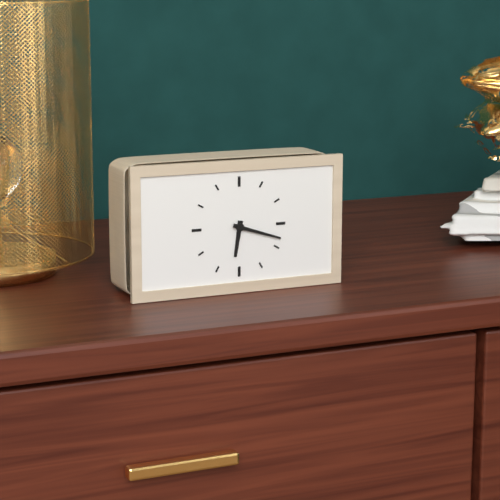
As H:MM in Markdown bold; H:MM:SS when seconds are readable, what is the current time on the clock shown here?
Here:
**6:18**
